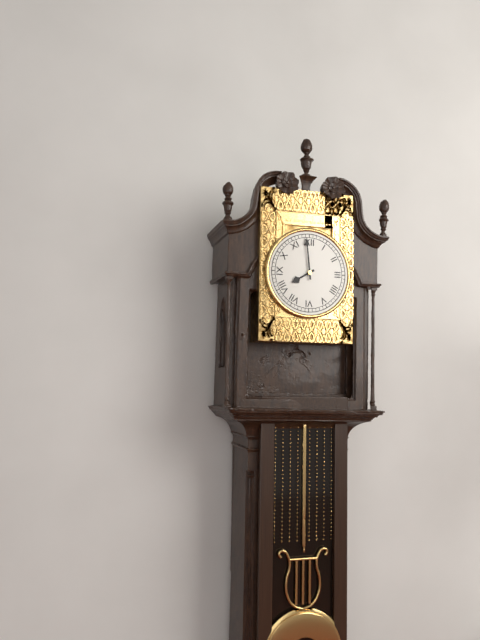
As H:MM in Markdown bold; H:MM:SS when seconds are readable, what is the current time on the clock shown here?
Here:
**7:59**
